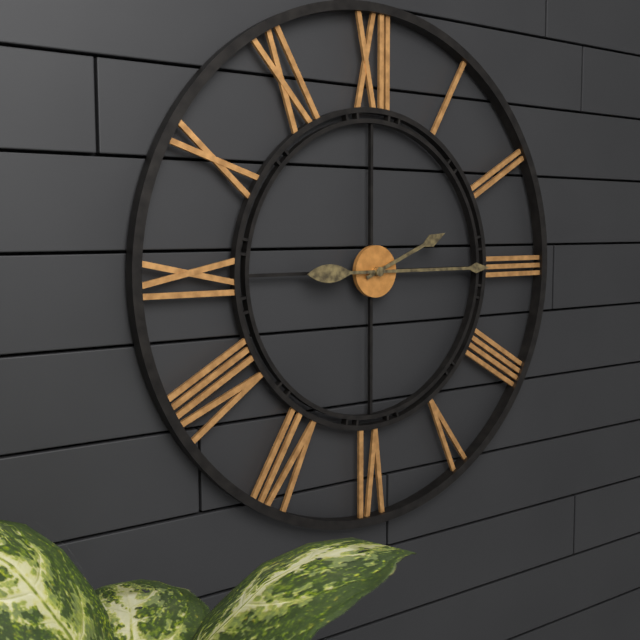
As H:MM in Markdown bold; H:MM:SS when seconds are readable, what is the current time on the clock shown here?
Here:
**2:15**
